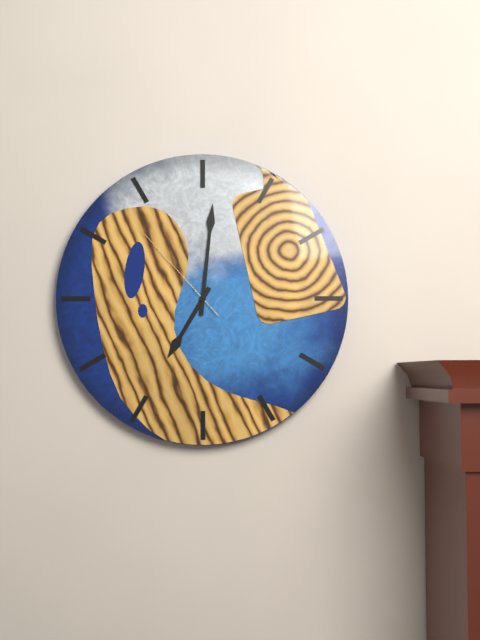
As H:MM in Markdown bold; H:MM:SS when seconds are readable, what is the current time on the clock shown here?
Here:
**7:01:53**
